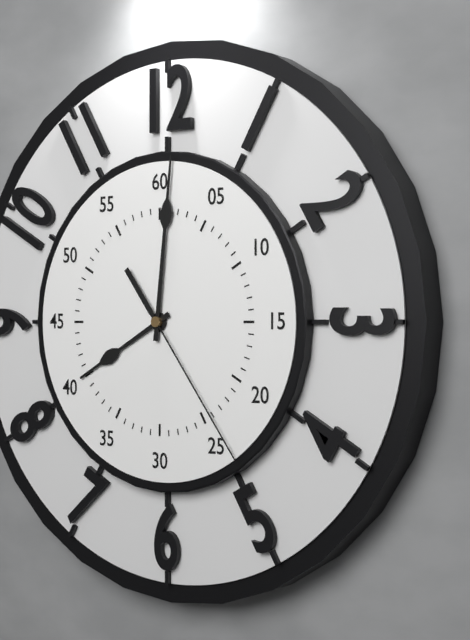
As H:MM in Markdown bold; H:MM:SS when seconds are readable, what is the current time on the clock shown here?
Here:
**8:01:24**
